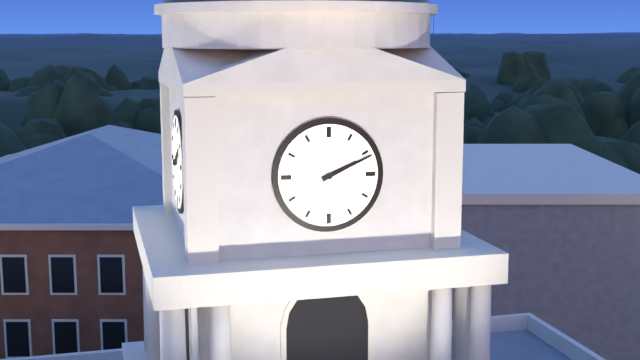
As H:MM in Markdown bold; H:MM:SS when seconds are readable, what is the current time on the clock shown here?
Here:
**2:11**
